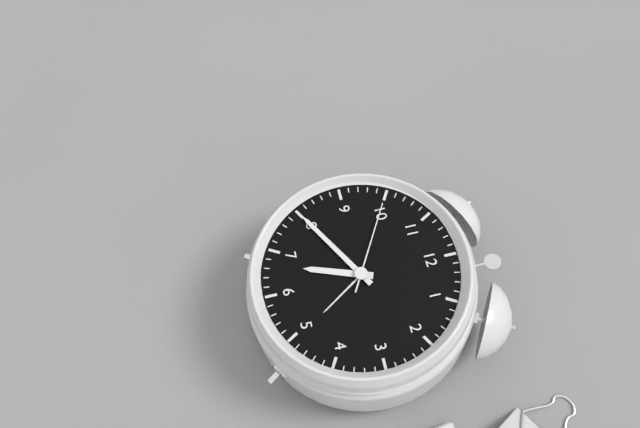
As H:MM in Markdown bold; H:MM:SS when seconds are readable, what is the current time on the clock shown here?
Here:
**6:40:50**
